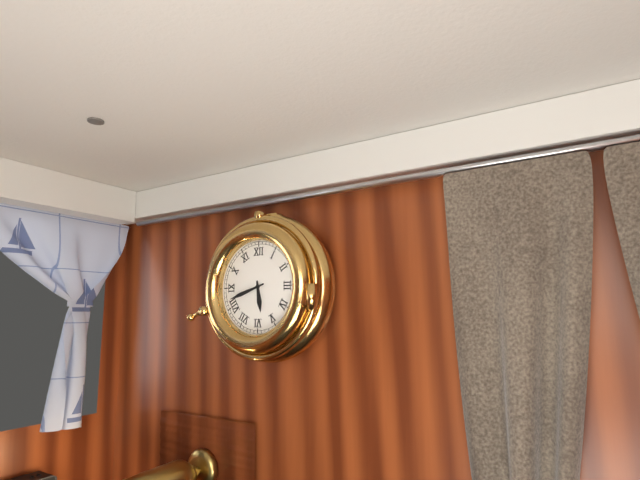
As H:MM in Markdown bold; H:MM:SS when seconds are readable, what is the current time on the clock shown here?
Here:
**5:42**
